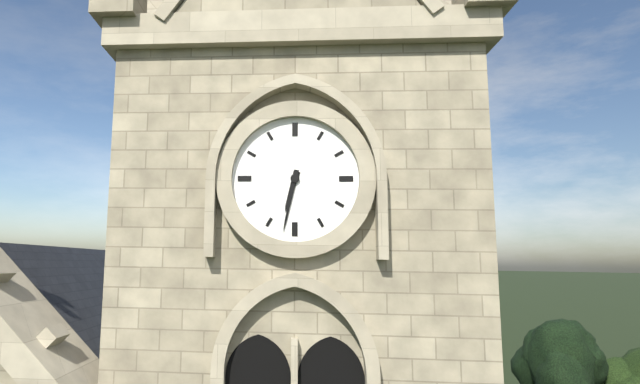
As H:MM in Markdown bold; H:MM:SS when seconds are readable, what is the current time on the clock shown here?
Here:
**6:32**
